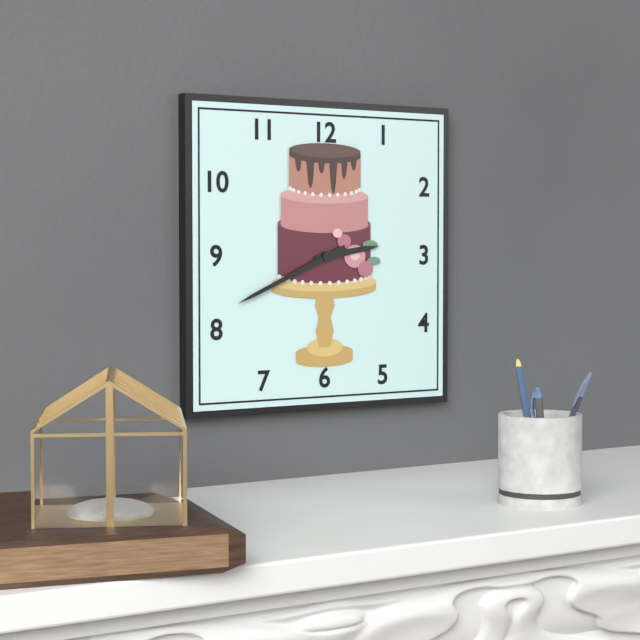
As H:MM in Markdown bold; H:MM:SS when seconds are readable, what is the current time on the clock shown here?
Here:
**2:41**
